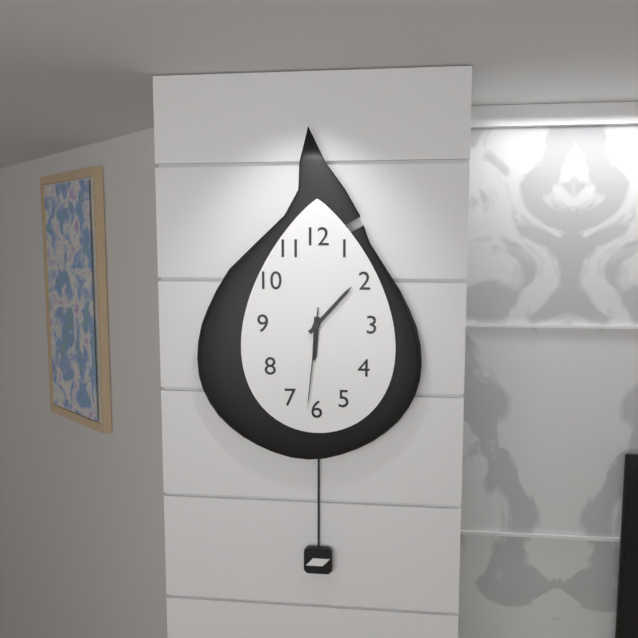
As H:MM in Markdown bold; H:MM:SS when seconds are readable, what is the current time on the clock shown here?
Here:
**6:07:31**
